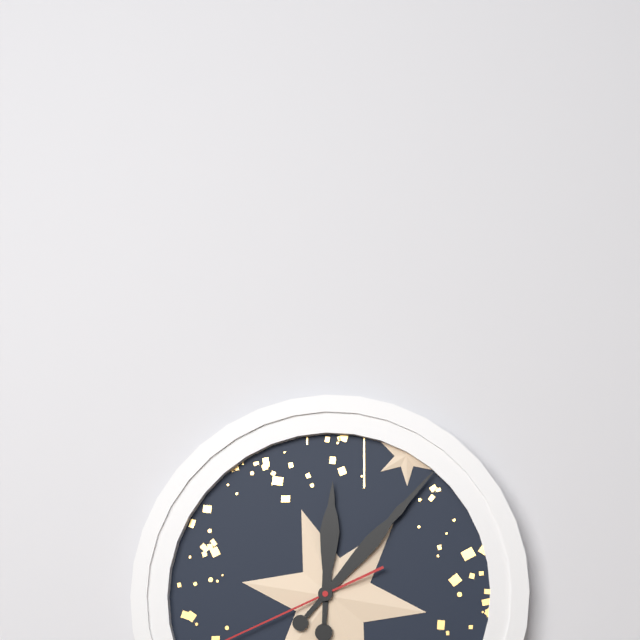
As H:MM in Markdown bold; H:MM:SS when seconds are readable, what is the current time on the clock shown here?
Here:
**12:07**
